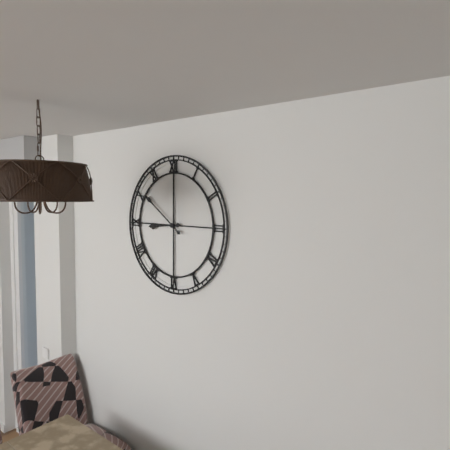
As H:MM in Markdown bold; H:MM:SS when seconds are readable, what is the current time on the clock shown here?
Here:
**8:51**
